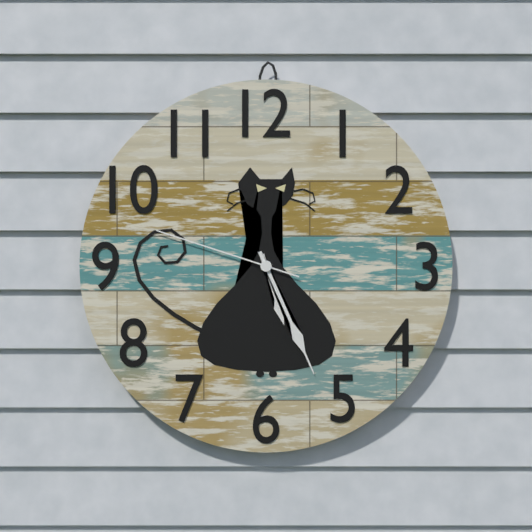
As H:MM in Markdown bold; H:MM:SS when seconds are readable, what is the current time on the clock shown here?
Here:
**5:26:48**
